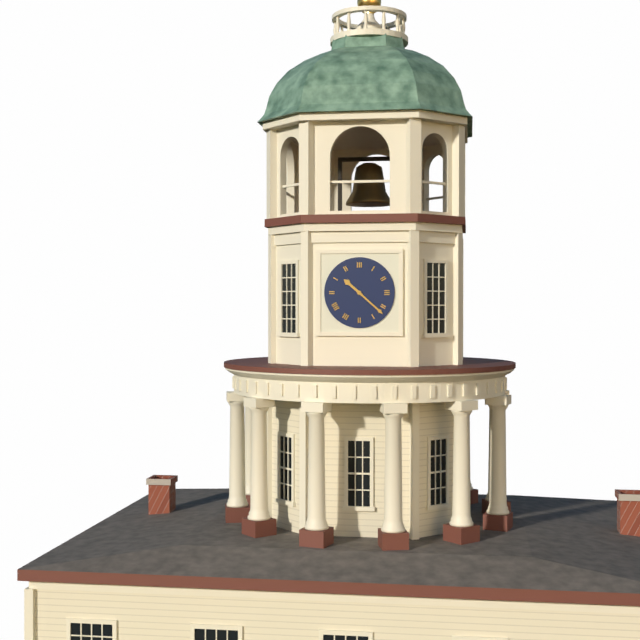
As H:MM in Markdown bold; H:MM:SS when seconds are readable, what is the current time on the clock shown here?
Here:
**10:22**
